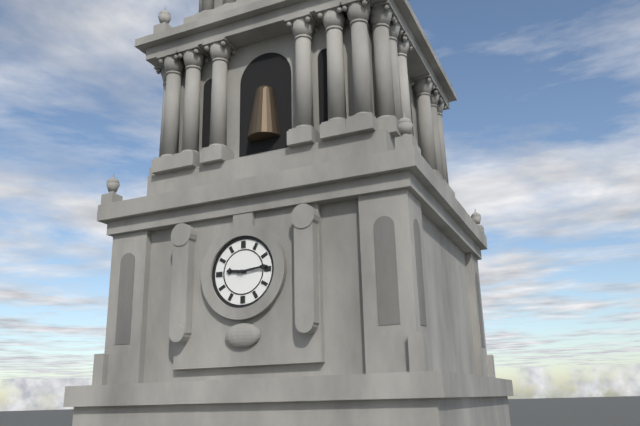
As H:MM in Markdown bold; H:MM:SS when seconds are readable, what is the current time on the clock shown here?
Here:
**9:14**
